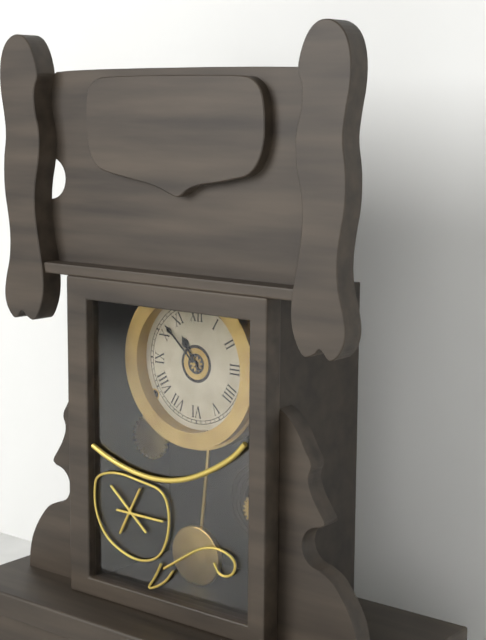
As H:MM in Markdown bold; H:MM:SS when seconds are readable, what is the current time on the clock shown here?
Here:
**10:52**
